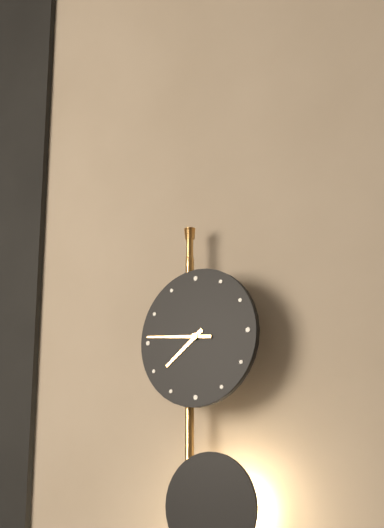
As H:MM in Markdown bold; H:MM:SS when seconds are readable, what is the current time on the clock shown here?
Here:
**7:46**
